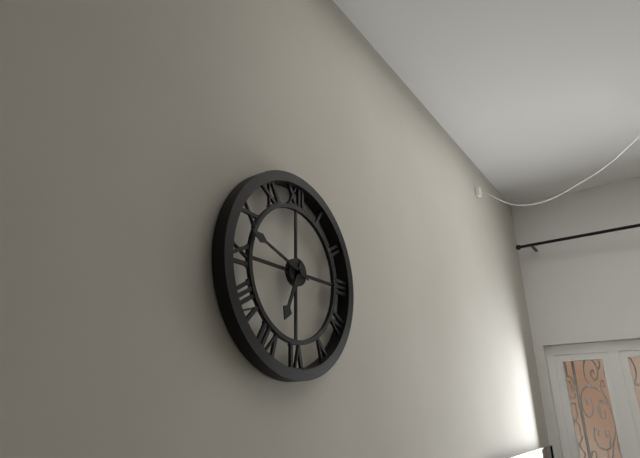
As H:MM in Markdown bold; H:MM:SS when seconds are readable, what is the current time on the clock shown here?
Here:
**6:48**
